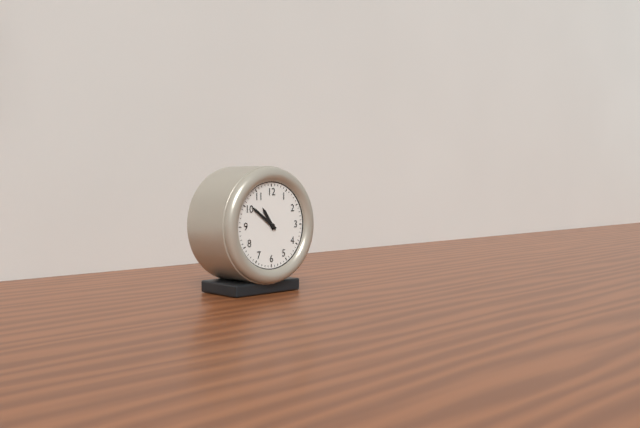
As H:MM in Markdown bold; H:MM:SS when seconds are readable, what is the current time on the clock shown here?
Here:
**10:51**
